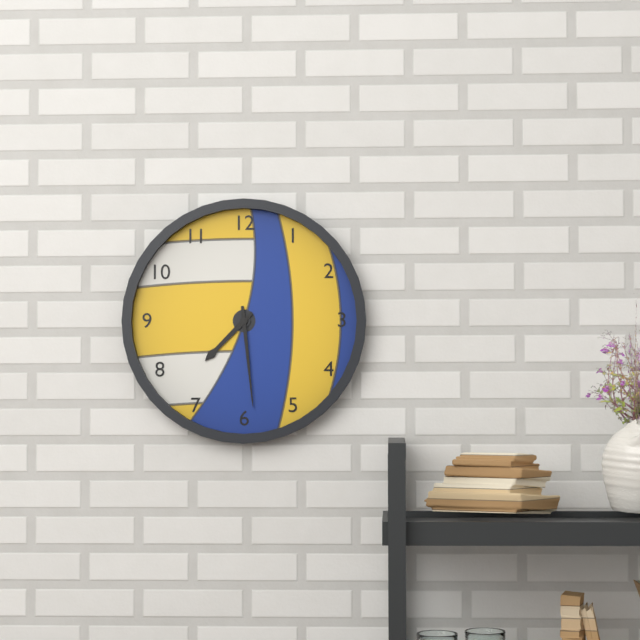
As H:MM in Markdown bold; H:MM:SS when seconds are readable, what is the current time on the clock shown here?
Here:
**7:29**
